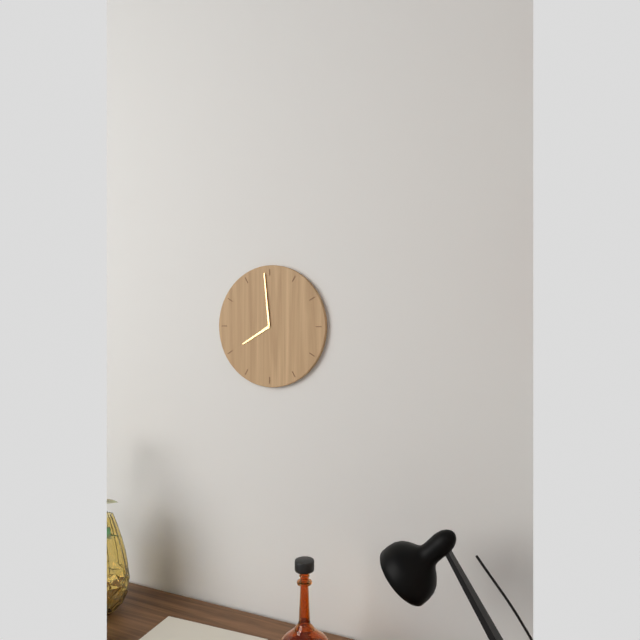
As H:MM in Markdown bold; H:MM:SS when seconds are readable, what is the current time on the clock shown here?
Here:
**7:59**
